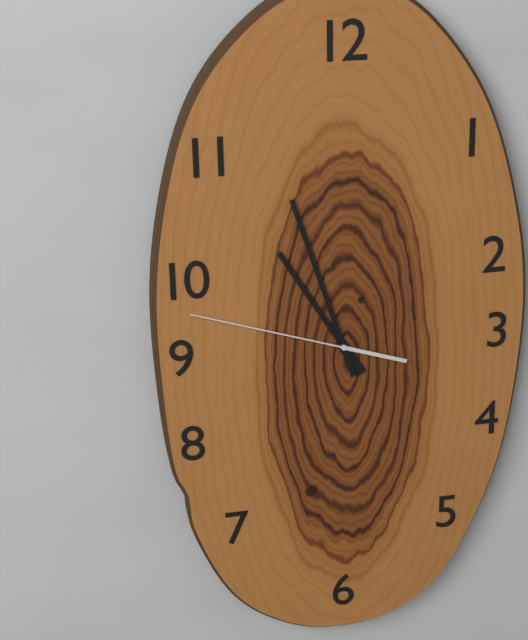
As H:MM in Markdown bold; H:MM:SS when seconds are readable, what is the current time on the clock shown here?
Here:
**10:57:48**
